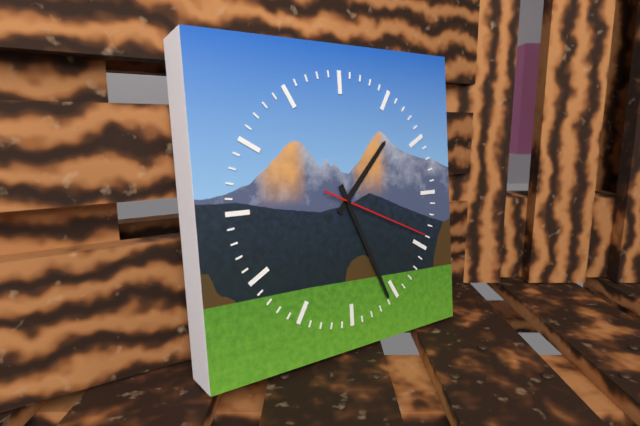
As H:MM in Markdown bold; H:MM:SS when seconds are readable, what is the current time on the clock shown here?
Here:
**1:26:19**
